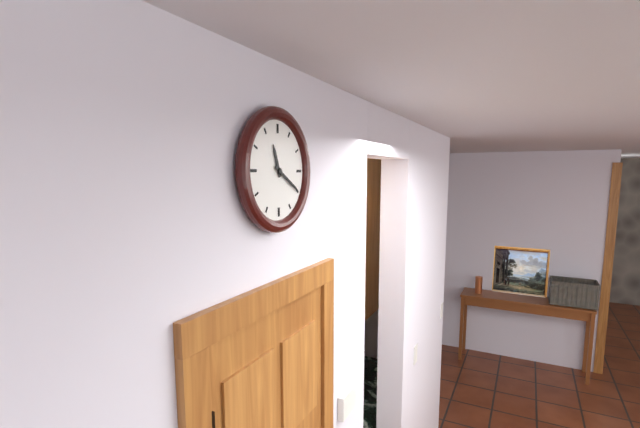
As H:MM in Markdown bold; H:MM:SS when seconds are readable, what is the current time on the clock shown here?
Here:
**11:20**
